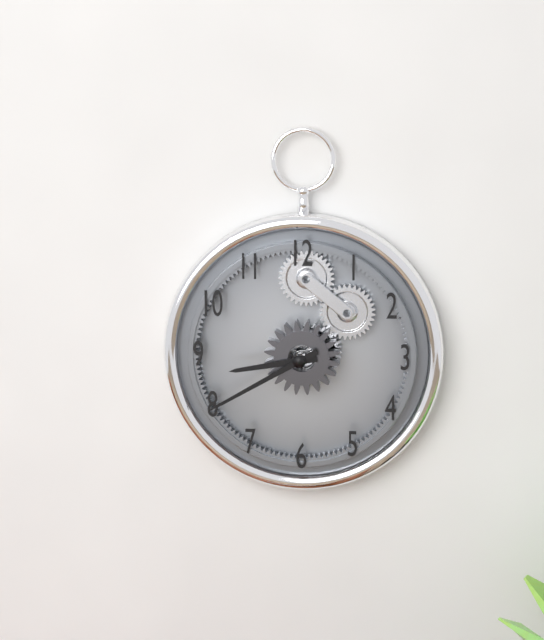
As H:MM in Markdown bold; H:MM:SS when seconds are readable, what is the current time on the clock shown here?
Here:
**8:40**
